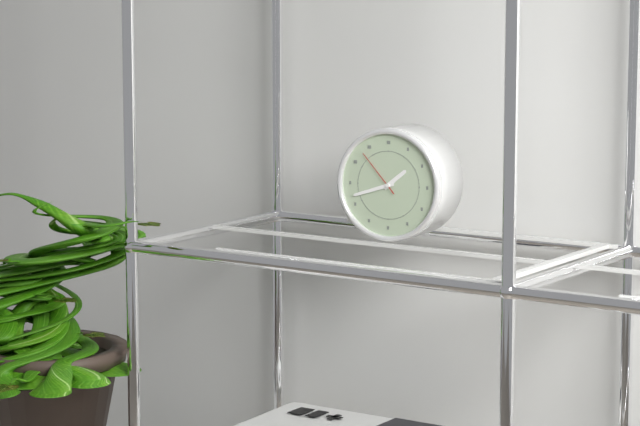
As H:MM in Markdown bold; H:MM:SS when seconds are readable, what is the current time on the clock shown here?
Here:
**1:42:53**
